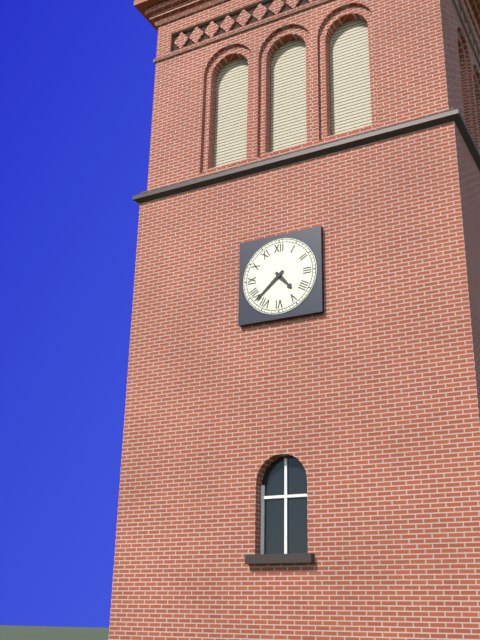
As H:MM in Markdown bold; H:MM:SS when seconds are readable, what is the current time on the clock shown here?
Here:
**4:38**
